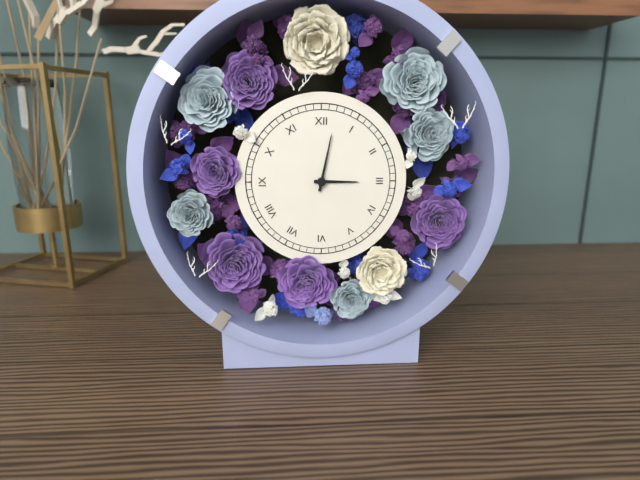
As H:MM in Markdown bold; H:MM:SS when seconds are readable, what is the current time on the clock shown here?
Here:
**3:02**
